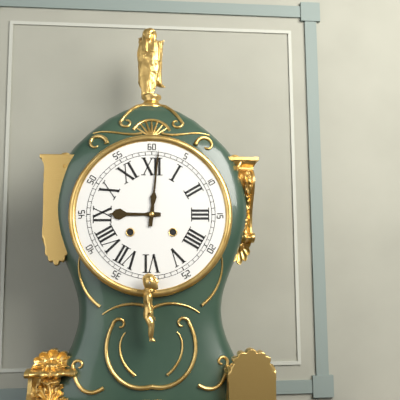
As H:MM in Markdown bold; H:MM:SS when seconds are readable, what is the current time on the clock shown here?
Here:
**9:01**
